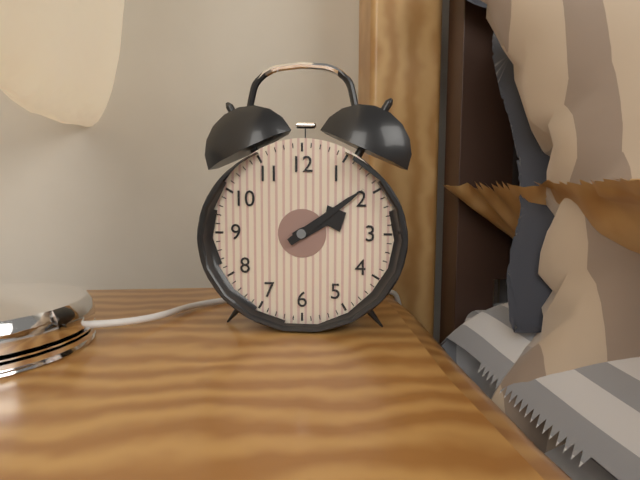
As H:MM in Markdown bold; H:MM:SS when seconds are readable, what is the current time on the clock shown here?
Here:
**2:09**
